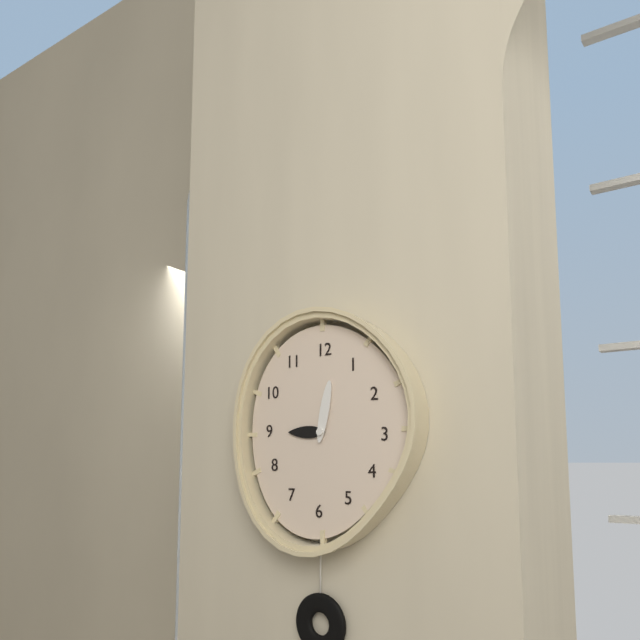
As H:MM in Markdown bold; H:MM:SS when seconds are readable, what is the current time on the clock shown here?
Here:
**9:02**
